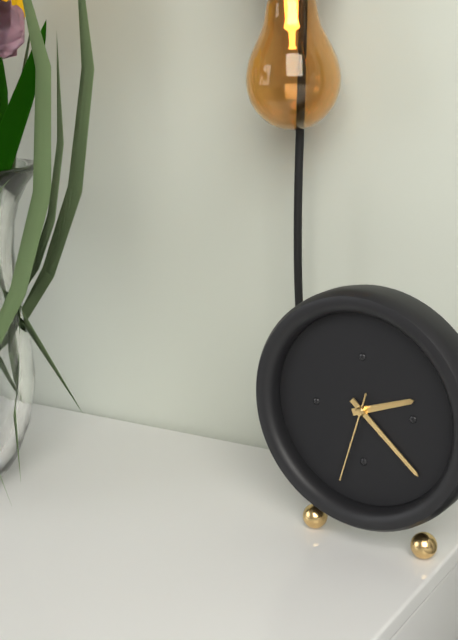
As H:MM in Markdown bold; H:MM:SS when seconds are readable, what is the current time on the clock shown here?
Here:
**2:22:33**
